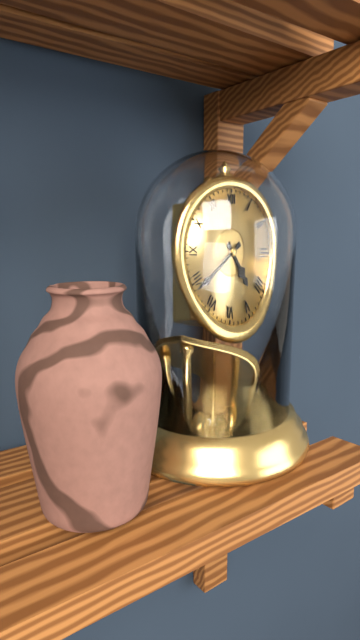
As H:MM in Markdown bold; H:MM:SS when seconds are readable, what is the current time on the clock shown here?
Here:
**4:39**
